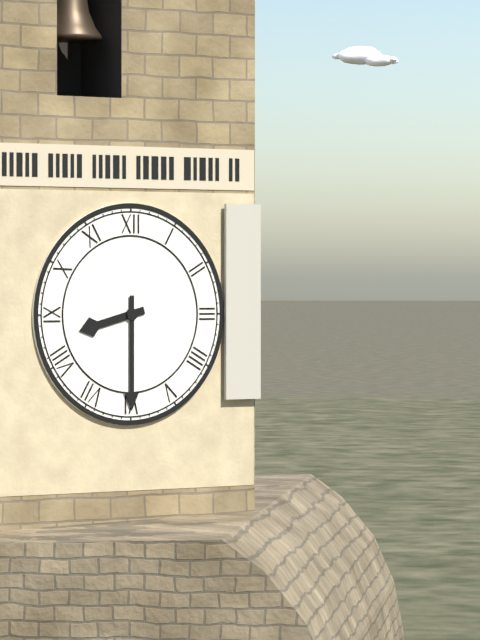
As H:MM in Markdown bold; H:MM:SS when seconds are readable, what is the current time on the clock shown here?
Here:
**8:30**
